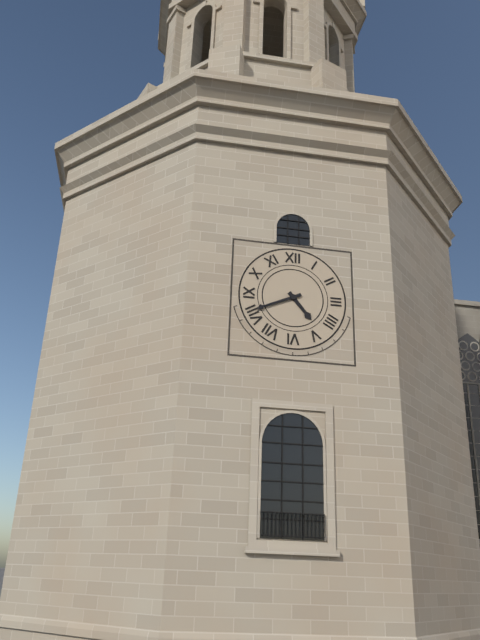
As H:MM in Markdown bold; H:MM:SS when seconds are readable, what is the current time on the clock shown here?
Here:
**4:41**
